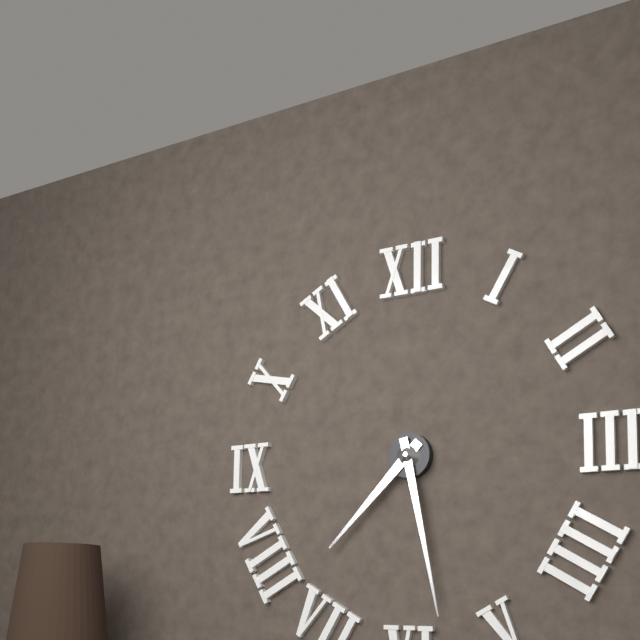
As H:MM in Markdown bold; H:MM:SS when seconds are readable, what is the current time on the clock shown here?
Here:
**7:28**
